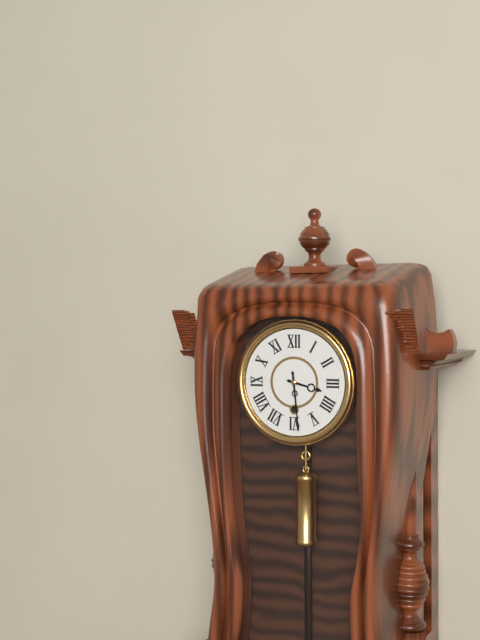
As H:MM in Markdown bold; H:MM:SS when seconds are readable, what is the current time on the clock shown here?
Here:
**3:29**
